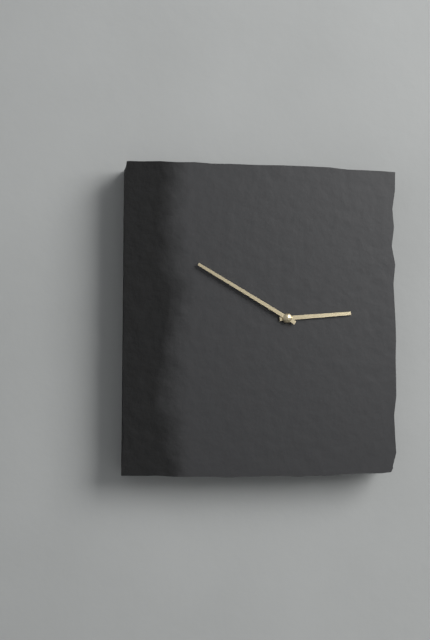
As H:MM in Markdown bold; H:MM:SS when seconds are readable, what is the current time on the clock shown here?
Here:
**2:50**
